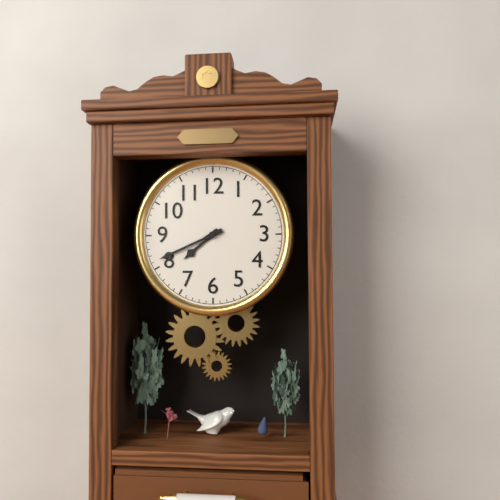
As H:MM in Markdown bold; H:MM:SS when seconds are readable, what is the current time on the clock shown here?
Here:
**7:41**
